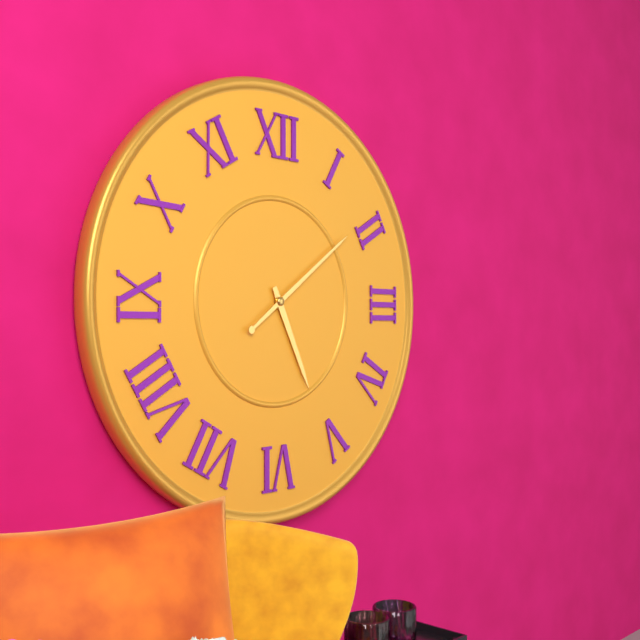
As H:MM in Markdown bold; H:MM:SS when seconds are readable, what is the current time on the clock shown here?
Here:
**5:09**
